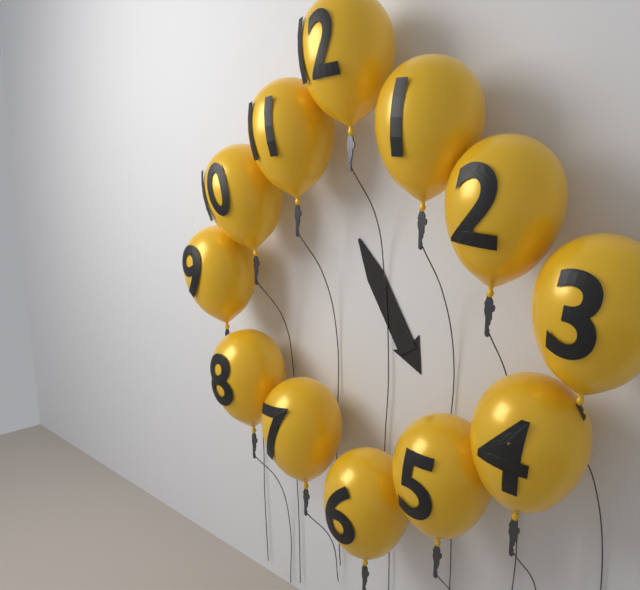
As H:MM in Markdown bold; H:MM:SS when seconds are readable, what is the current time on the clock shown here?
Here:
**4:55**
